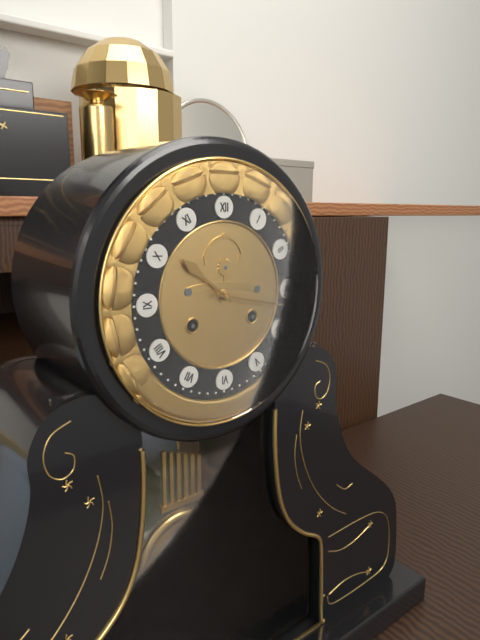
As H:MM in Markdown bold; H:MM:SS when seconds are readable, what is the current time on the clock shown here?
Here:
**10:17**
